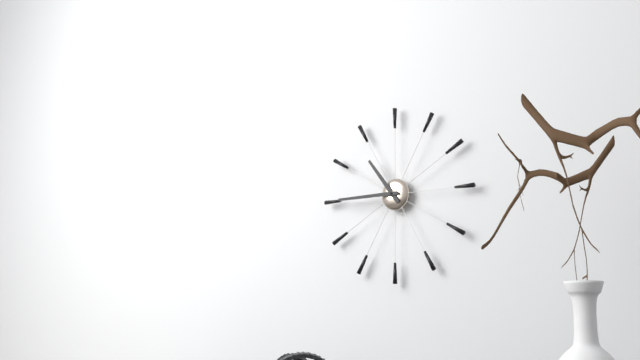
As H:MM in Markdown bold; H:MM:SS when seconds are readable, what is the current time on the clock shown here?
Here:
**10:45**
